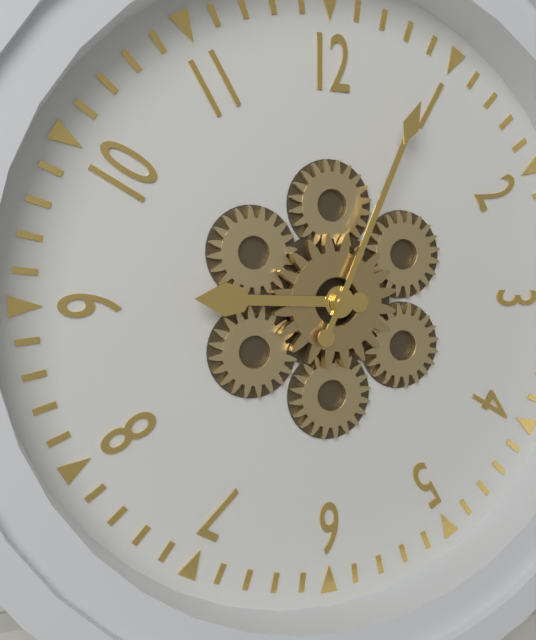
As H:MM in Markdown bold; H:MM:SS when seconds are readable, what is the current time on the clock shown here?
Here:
**9:04**
